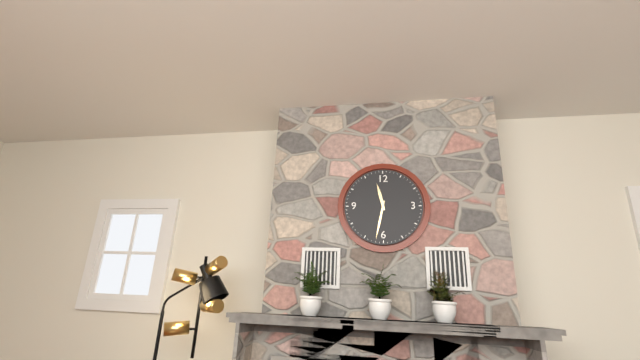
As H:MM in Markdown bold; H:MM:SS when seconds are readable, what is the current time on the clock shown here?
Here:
**11:32**
